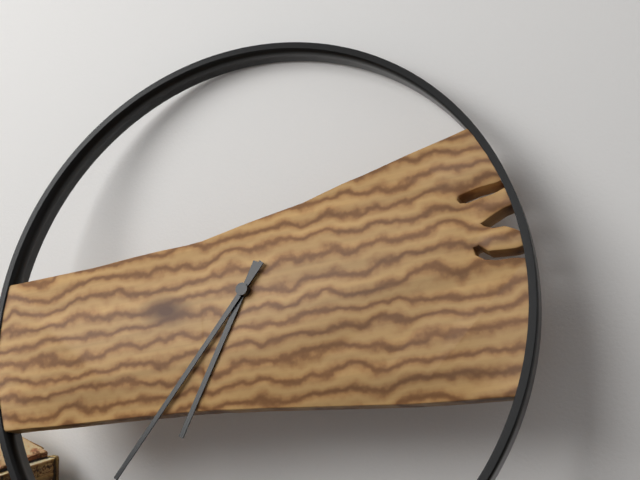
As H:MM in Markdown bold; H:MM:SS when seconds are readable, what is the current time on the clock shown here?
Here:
**6:35**
